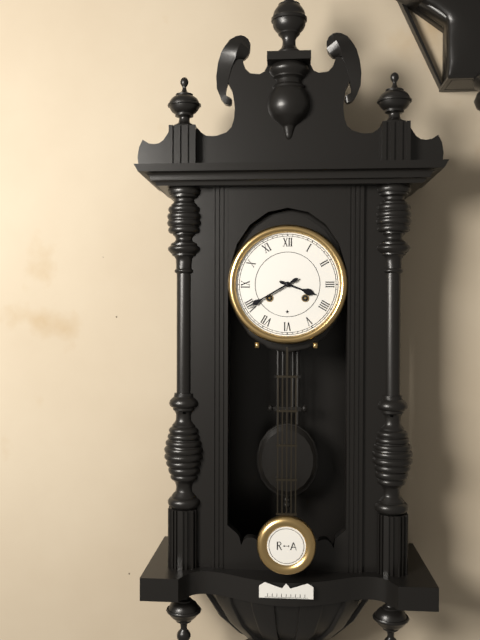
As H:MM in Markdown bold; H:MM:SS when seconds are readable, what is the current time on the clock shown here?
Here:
**3:40**
